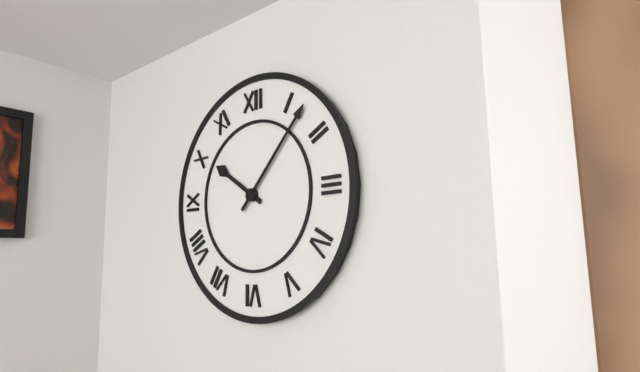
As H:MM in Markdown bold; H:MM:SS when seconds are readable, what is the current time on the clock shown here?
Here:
**10:07**
